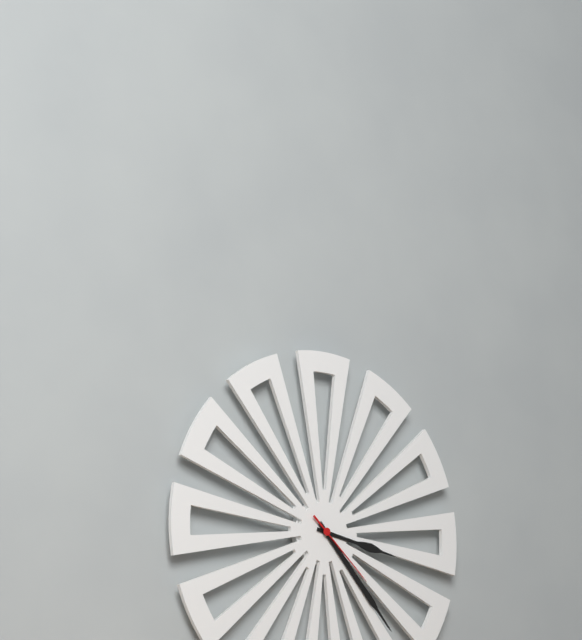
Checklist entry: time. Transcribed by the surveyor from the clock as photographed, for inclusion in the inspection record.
3:23:22
